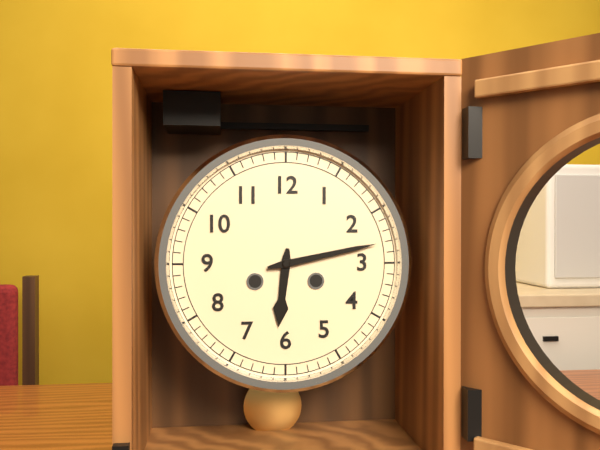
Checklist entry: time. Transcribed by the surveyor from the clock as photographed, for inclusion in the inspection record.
6:13
